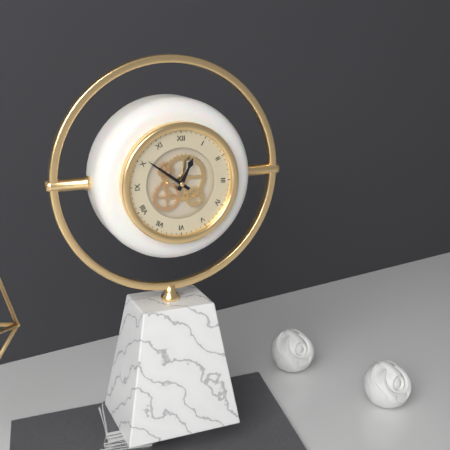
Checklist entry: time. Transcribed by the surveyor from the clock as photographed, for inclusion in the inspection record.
12:51
